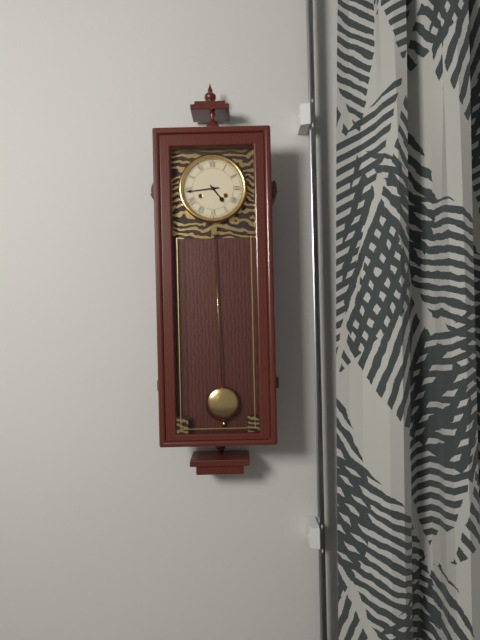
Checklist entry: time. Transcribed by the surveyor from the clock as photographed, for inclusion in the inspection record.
4:44
